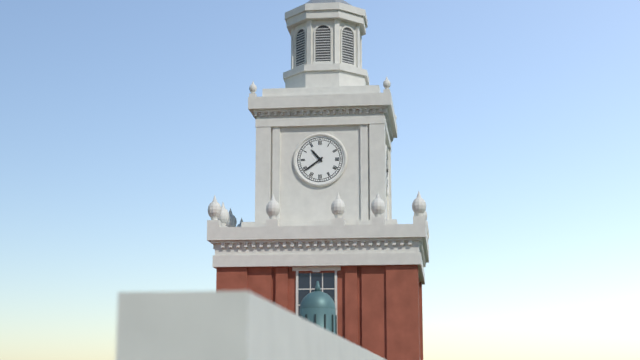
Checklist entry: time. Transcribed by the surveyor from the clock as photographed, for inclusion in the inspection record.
10:39
